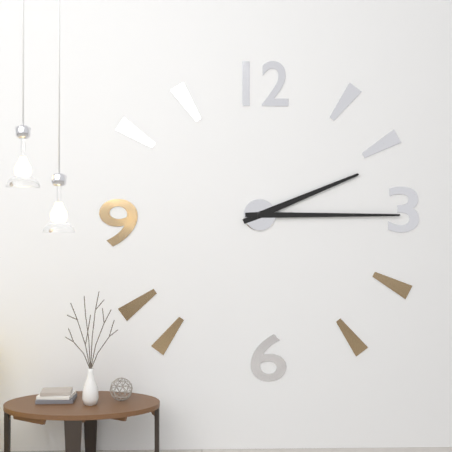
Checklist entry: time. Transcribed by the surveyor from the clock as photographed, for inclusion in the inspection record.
2:15
